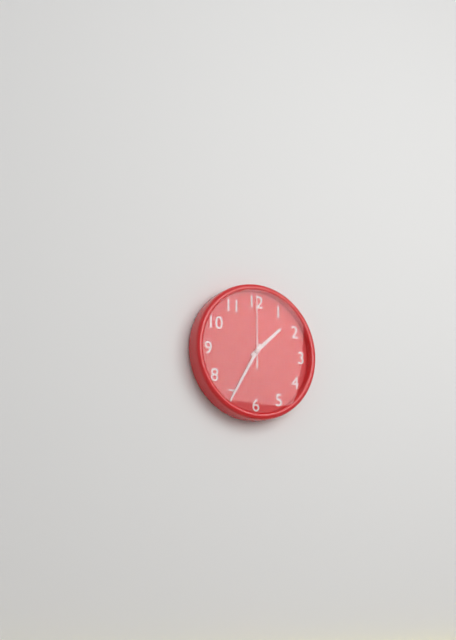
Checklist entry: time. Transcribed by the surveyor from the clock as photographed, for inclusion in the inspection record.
1:35:00
